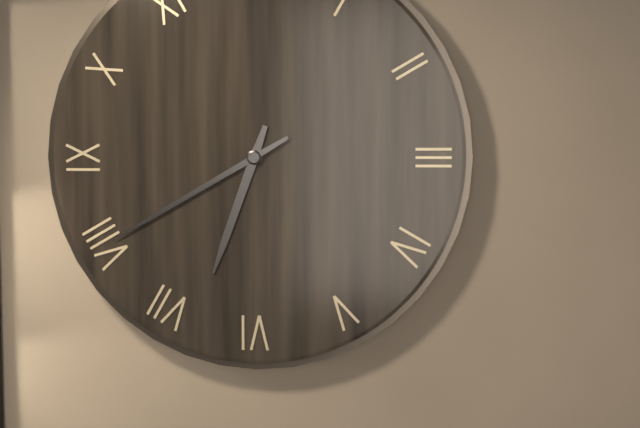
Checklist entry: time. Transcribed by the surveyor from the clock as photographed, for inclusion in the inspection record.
6:40
